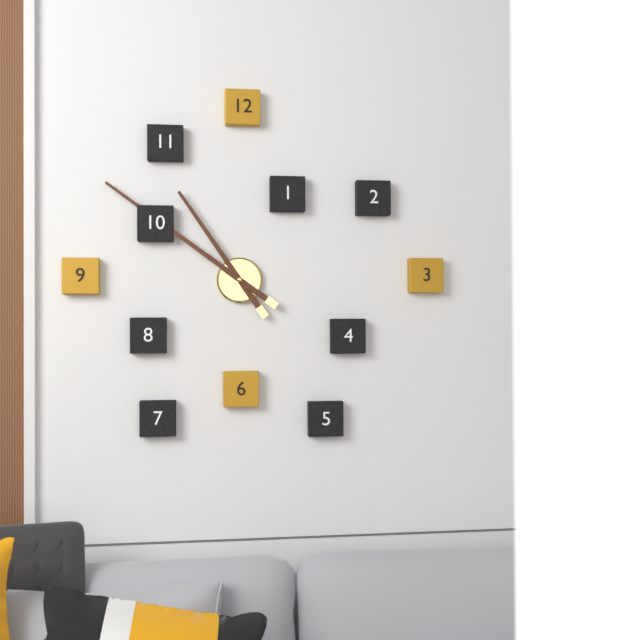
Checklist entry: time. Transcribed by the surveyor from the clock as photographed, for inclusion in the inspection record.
10:51
